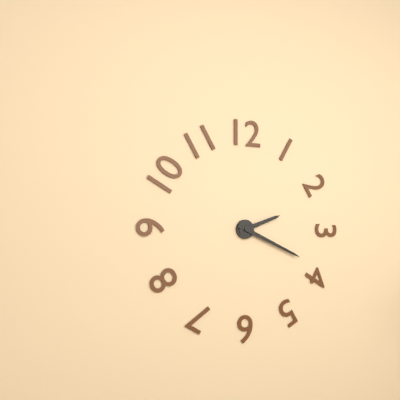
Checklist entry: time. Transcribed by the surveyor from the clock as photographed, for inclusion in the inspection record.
2:19
